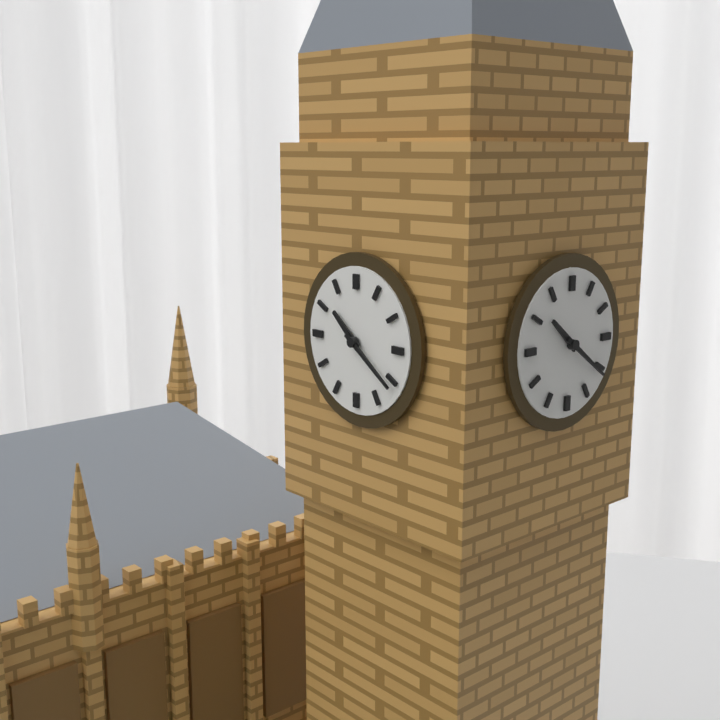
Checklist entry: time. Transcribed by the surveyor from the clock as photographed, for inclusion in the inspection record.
10:21
